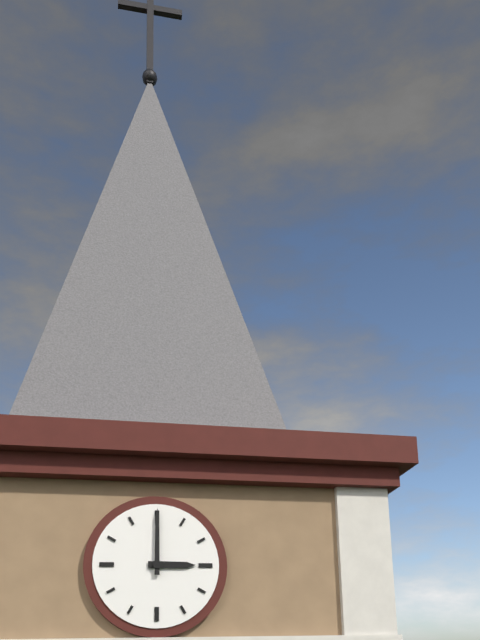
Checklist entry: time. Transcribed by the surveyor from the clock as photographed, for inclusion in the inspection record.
3:00
